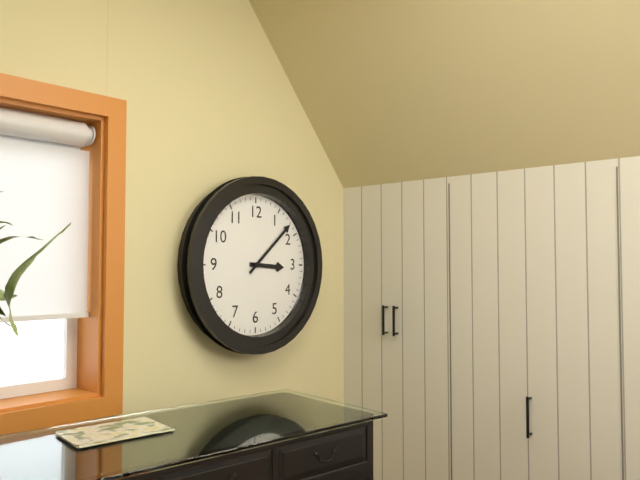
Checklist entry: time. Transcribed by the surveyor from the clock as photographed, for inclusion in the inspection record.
3:08
